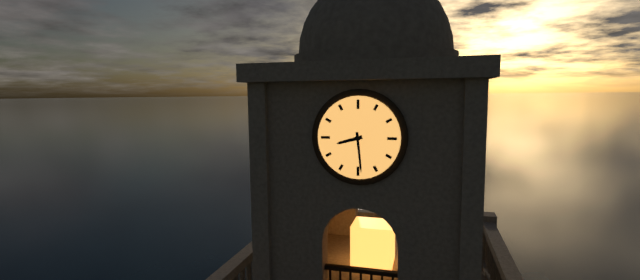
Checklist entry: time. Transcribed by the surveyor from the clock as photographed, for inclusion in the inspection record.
8:29
